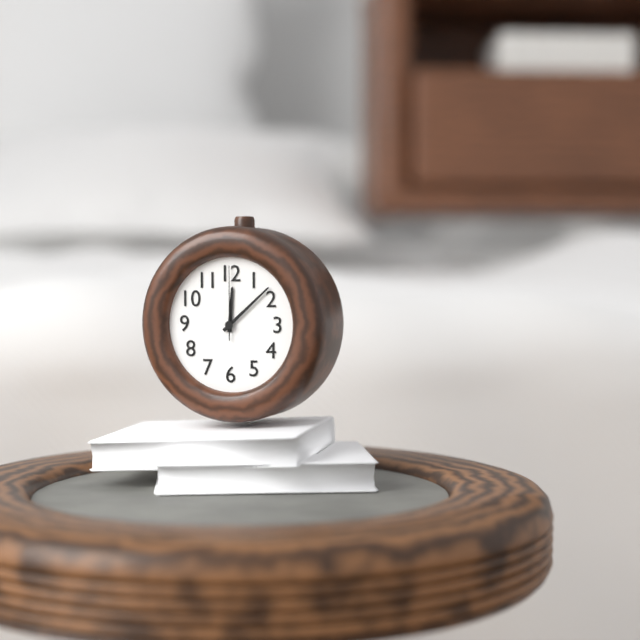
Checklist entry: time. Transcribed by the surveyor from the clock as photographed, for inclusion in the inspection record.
12:08:00
